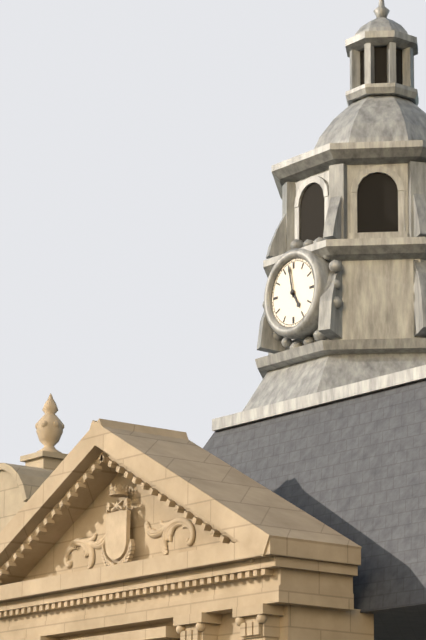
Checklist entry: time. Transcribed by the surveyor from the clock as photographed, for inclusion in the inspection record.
4:58
